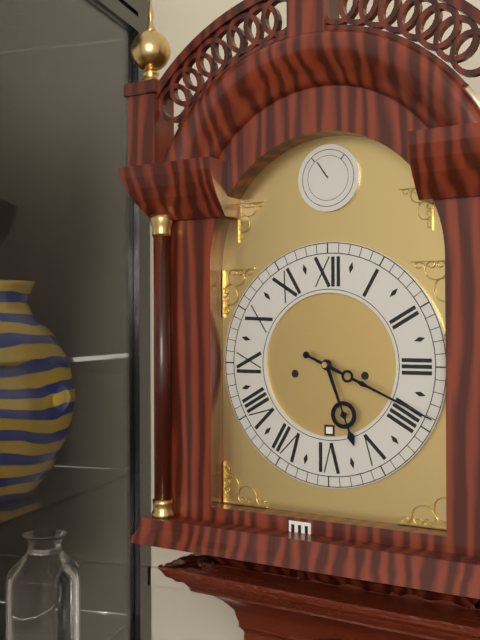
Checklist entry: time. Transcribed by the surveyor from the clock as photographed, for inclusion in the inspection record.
5:19
